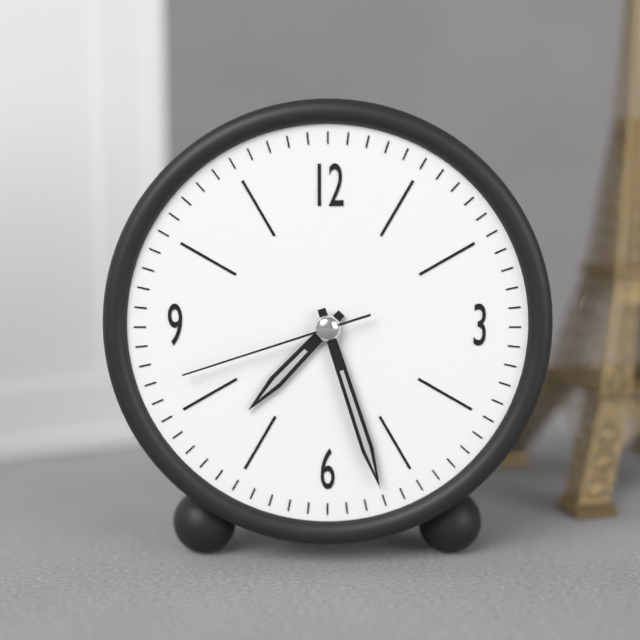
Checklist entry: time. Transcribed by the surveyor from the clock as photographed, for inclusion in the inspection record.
7:27:42
